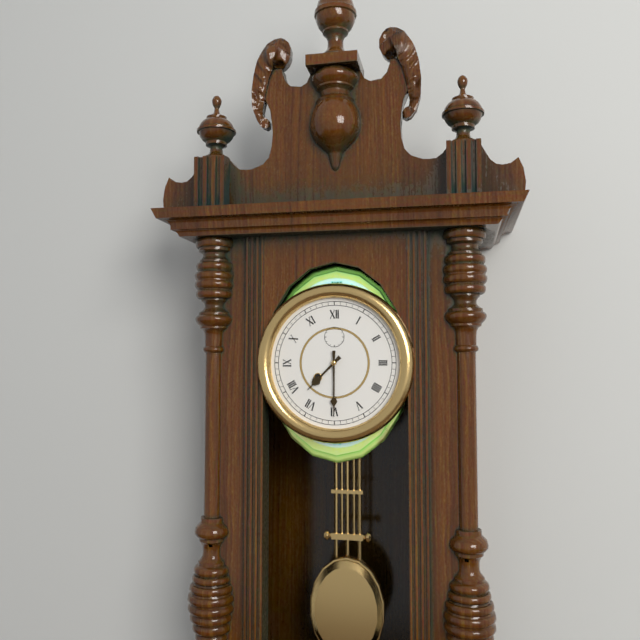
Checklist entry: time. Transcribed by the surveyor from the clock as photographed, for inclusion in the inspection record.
7:30
